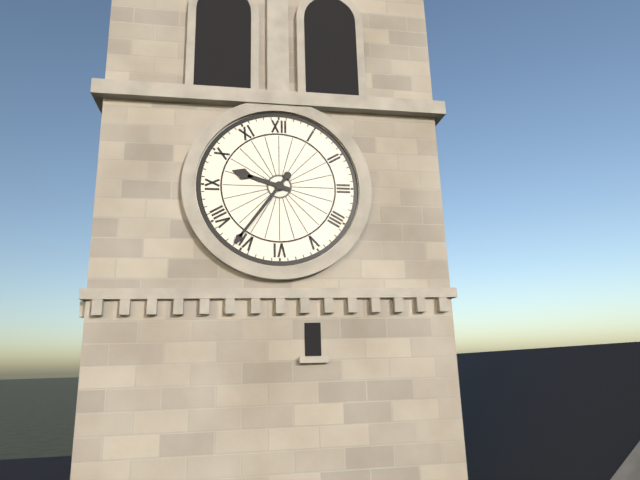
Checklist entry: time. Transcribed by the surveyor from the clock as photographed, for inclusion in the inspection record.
9:36
